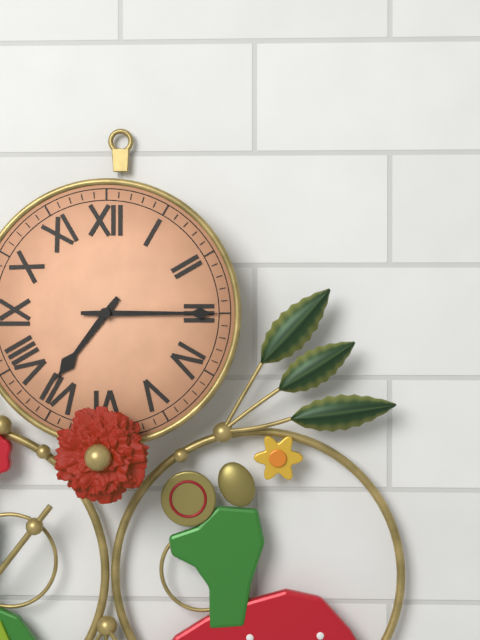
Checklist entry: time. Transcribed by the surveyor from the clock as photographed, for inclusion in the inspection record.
7:15
